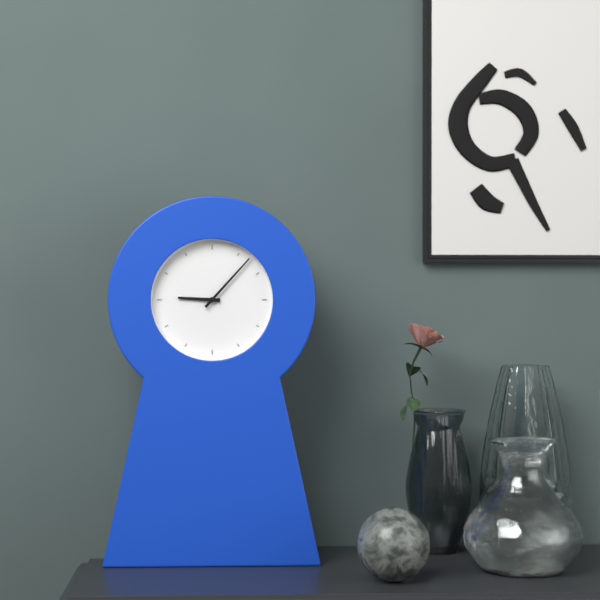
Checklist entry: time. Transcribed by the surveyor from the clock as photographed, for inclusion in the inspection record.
9:07
